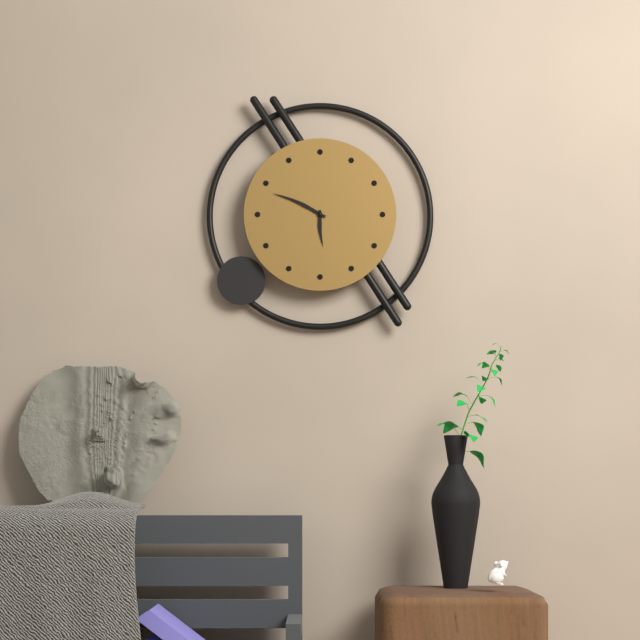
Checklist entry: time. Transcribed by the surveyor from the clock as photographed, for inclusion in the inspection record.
5:49
